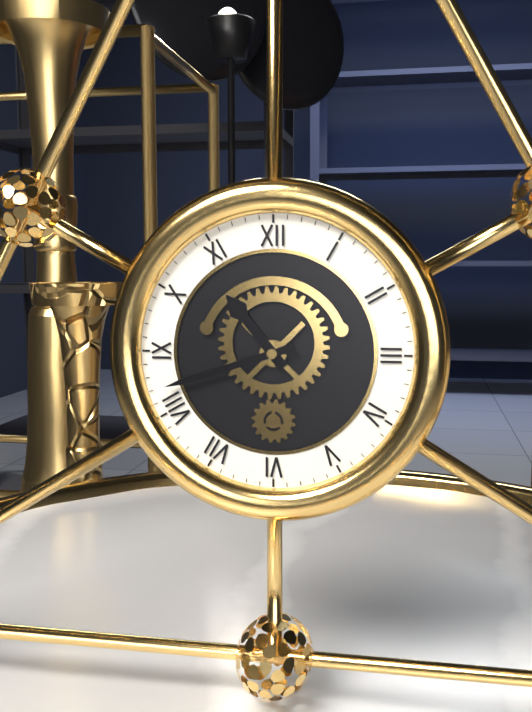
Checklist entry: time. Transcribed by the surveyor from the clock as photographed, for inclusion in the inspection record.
10:42
